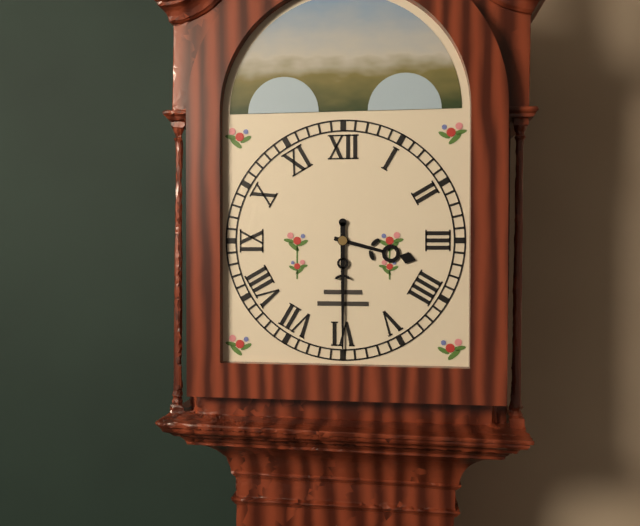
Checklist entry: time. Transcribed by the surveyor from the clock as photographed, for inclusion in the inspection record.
3:30
